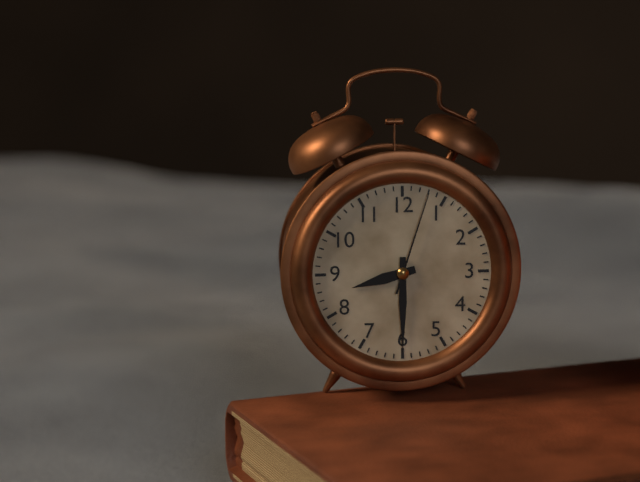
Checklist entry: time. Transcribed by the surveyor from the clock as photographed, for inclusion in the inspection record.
8:30:03
